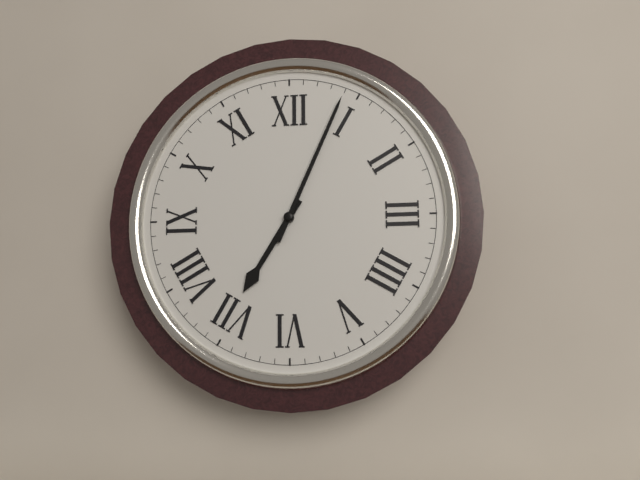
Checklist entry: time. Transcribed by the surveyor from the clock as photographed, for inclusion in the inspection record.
7:04
